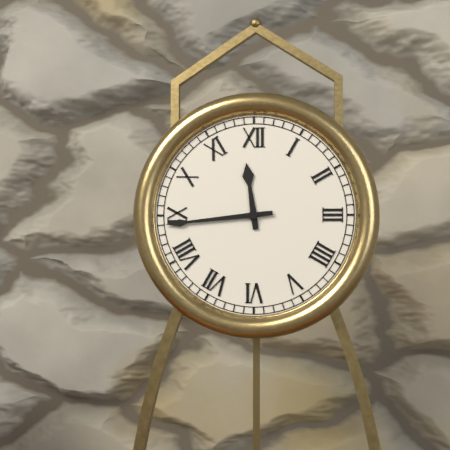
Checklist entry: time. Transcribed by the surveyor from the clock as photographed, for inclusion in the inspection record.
11:44
